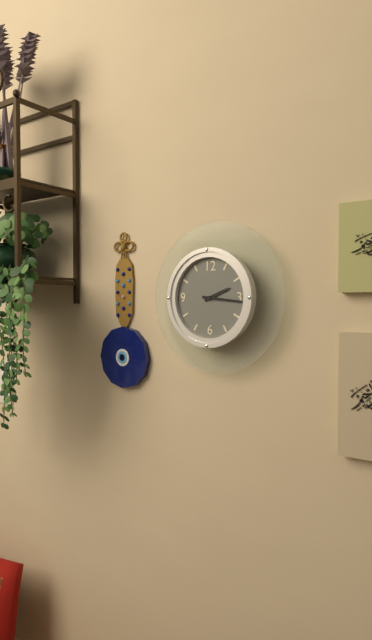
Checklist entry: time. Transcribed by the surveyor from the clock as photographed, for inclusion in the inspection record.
2:16
